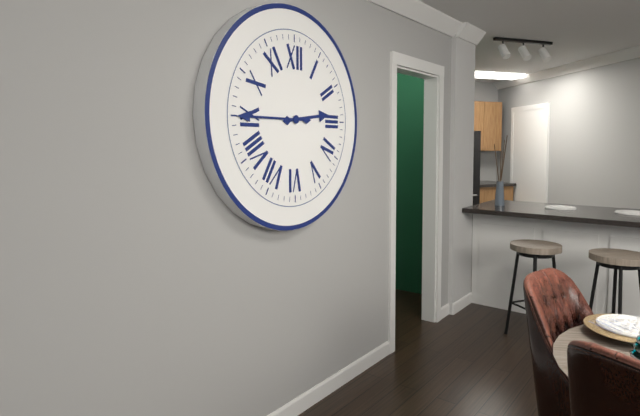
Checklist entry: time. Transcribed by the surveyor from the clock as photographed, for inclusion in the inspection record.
2:45
